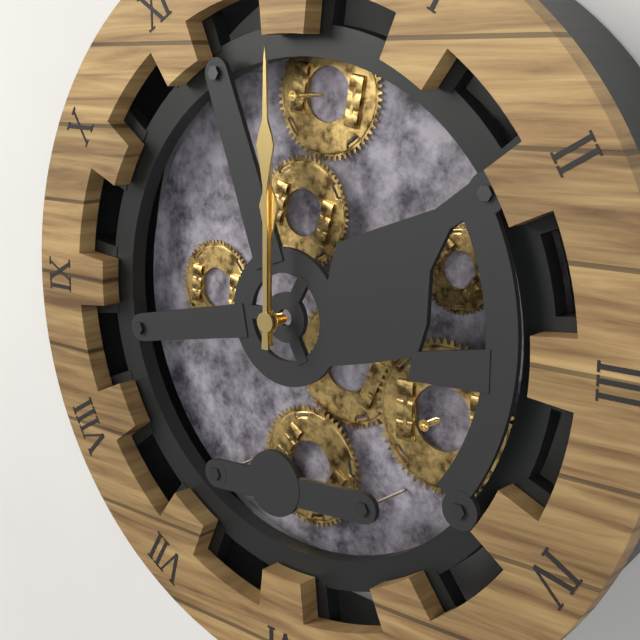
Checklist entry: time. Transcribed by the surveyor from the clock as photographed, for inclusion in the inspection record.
12:00
